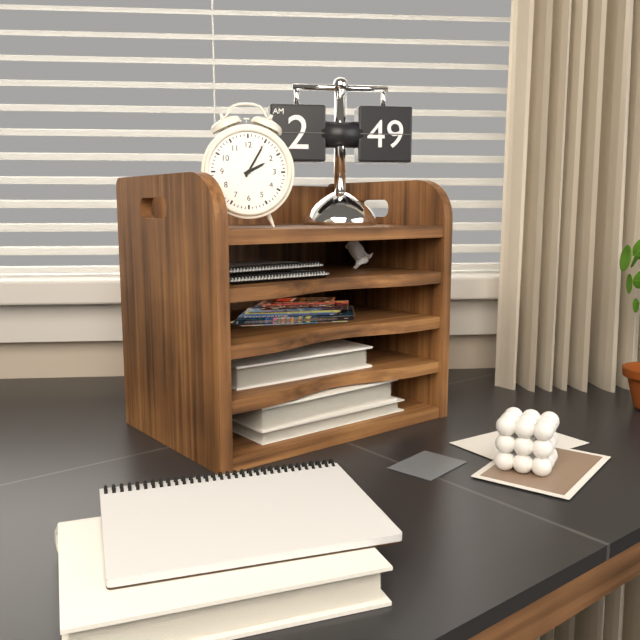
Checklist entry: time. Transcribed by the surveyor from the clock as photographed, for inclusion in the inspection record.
2:05
